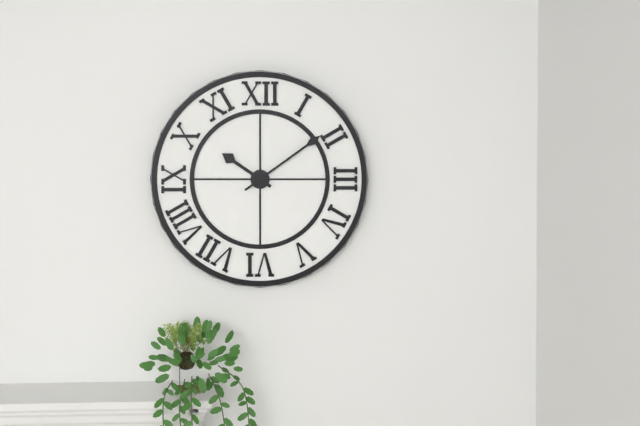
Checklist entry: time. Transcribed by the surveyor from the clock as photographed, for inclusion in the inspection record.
10:09
